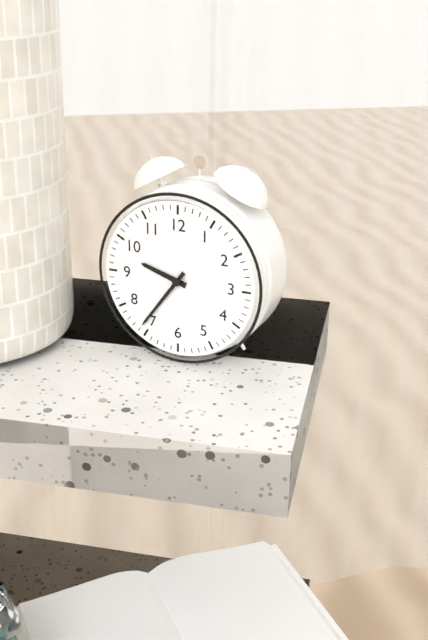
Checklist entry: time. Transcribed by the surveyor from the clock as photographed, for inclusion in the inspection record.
9:36
